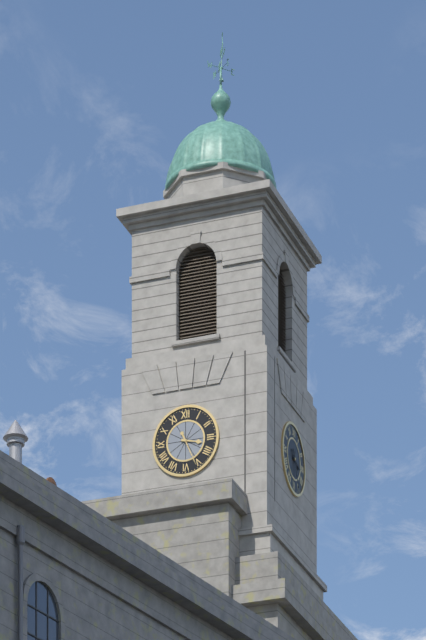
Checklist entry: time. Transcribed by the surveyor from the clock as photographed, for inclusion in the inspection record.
3:26
